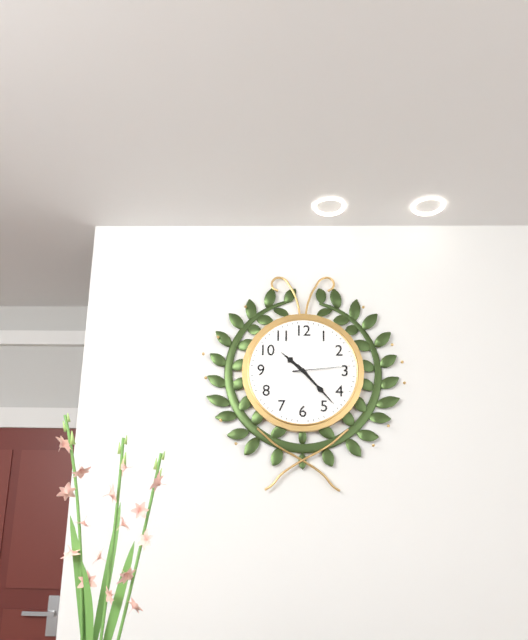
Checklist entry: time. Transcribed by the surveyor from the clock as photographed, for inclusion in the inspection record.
10:23:14
